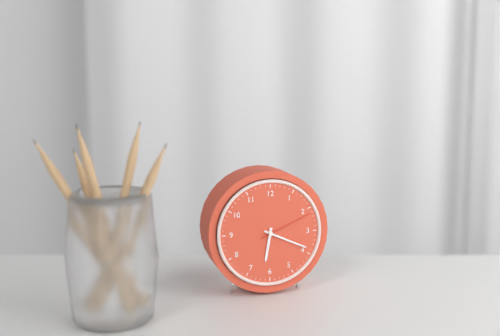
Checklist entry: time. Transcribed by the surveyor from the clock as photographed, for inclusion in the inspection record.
6:19:11
